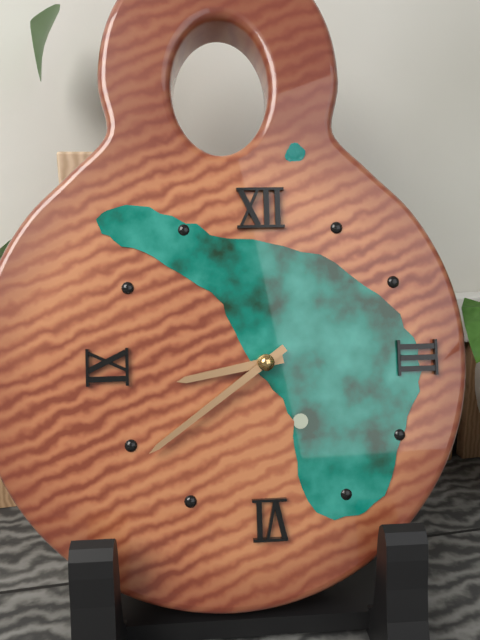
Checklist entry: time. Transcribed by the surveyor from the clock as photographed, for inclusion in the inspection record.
8:39
